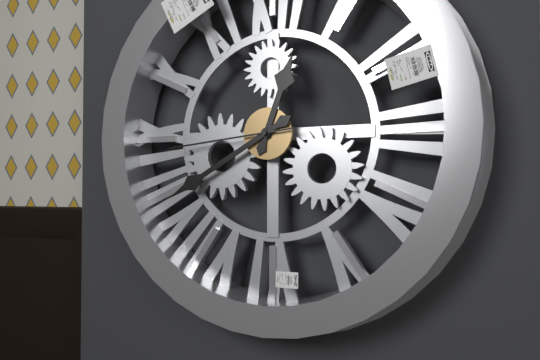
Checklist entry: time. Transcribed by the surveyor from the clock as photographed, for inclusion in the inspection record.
12:40:44
